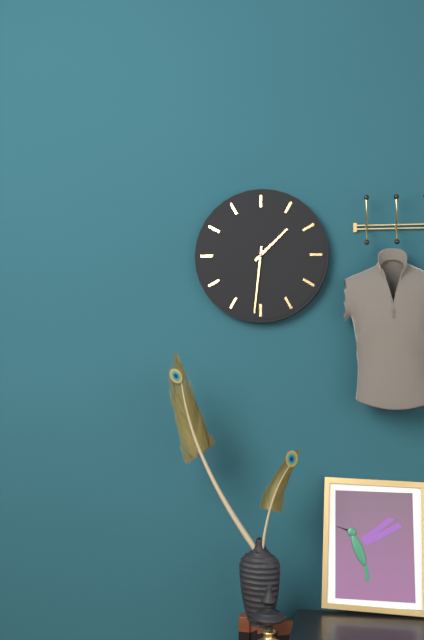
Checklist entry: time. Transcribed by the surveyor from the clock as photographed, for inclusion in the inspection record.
1:31
